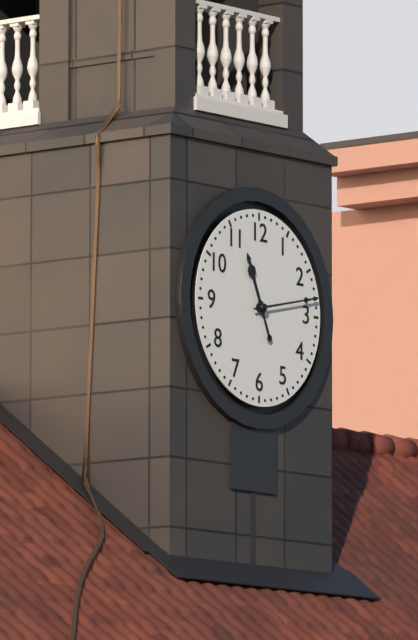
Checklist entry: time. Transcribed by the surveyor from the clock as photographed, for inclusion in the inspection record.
11:13
